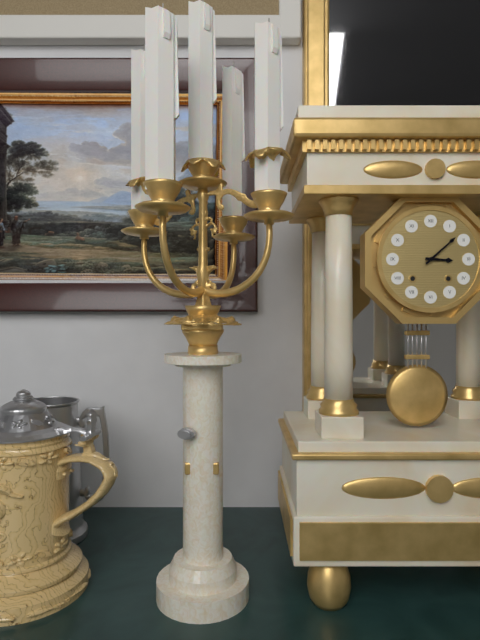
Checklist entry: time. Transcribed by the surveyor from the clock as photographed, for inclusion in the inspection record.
3:08
